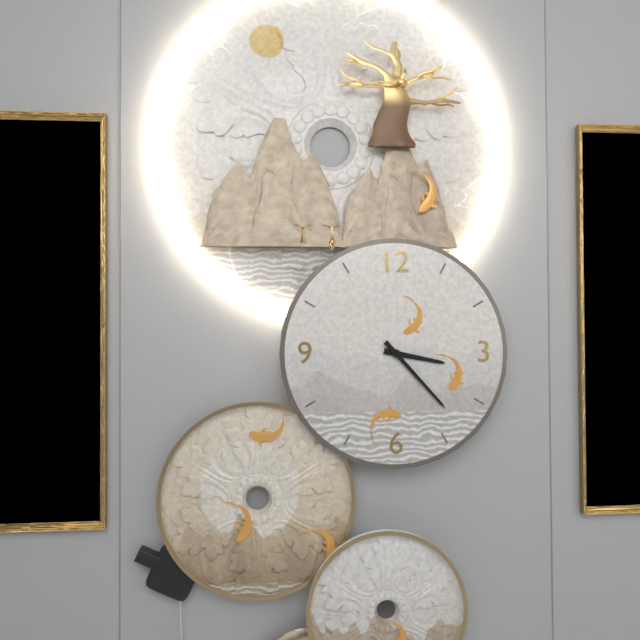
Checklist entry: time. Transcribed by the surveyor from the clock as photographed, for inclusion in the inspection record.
3:23
